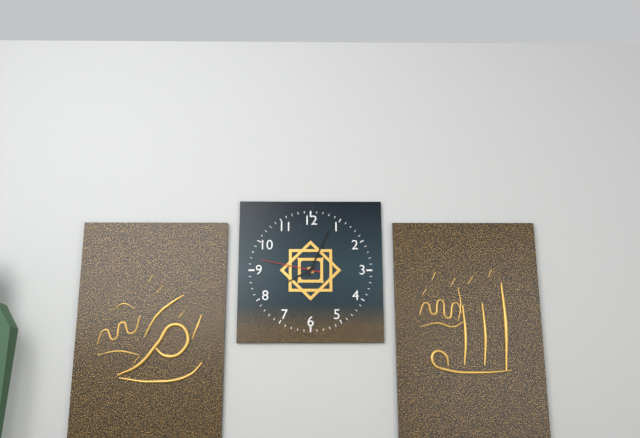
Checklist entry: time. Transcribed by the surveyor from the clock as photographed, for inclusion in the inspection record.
8:04:47
